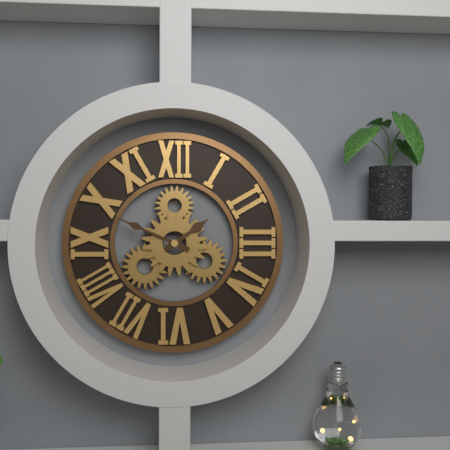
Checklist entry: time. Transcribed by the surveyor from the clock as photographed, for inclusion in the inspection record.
1:49
